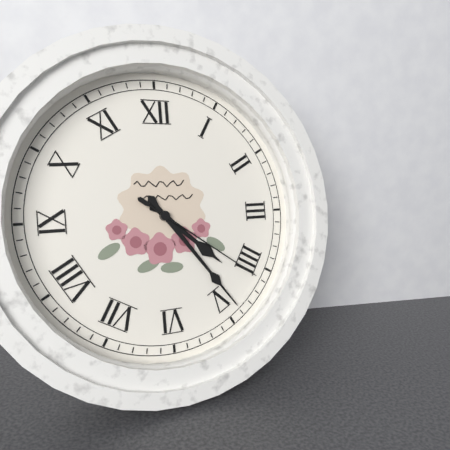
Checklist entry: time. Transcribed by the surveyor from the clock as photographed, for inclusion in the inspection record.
4:24:21
